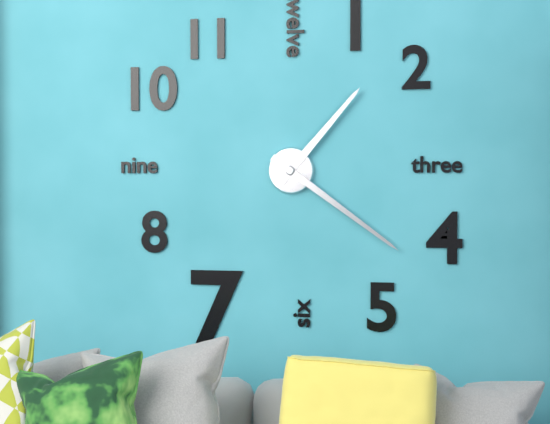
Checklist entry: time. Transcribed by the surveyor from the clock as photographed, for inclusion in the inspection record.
1:21
